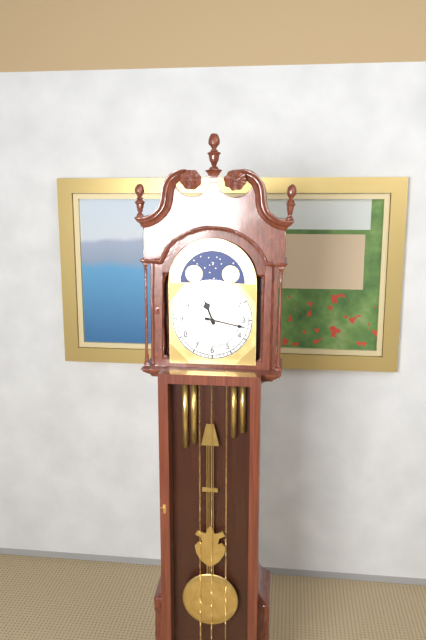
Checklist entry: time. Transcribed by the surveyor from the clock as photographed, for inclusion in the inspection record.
11:17
